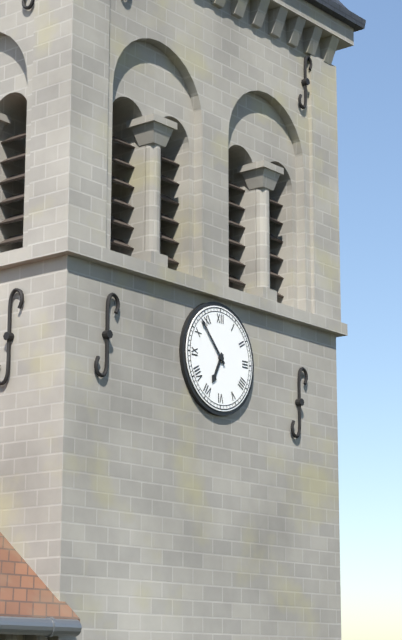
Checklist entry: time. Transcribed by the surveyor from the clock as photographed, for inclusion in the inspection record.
6:53
